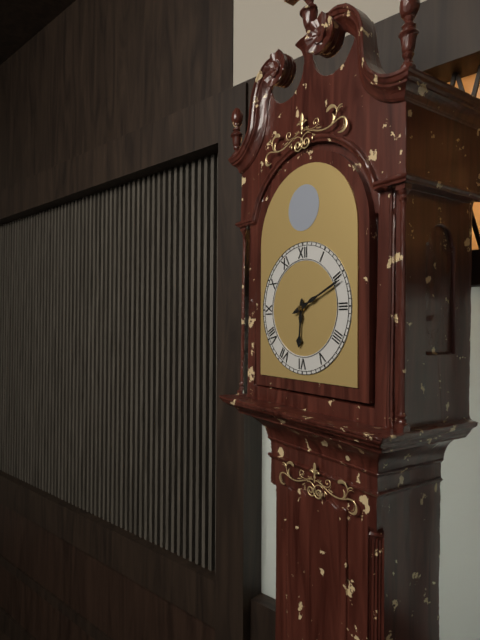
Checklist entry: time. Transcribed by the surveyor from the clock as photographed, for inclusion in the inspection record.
6:11
